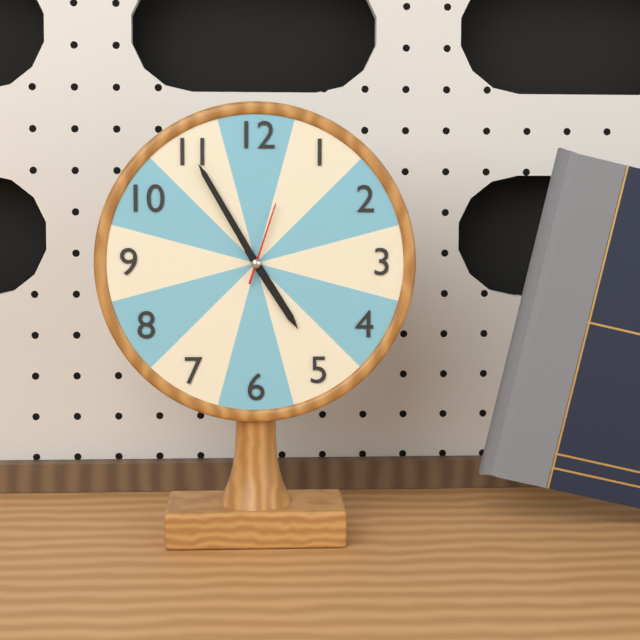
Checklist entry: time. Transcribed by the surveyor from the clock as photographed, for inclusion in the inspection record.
4:55:03
